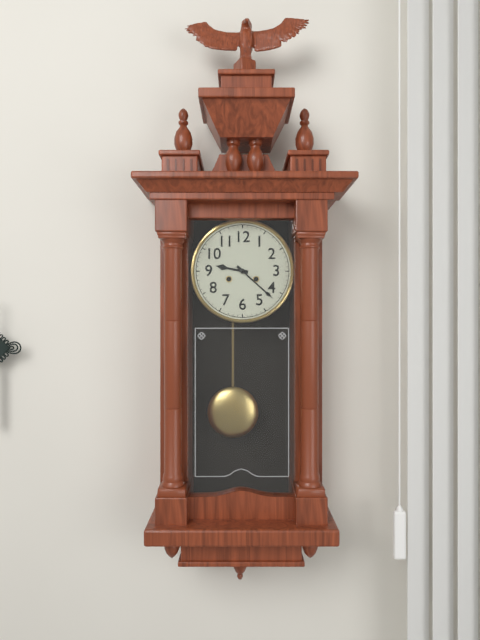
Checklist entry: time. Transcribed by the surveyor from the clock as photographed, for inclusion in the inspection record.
9:22
